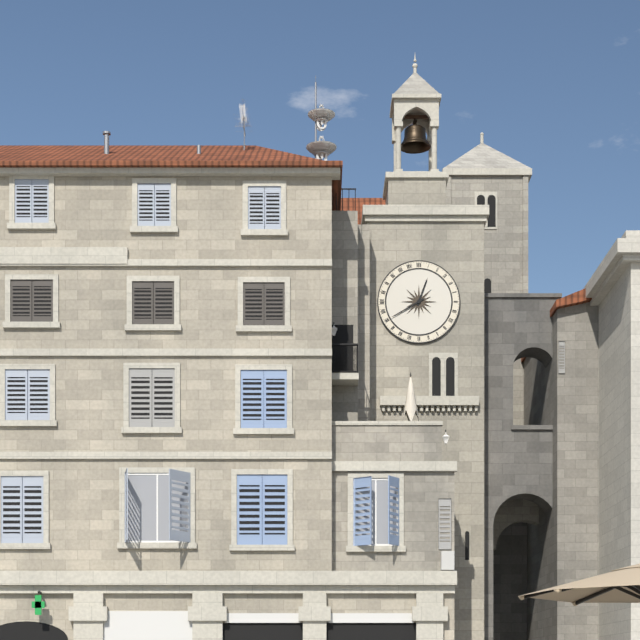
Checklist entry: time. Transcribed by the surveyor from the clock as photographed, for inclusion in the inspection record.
12:40
